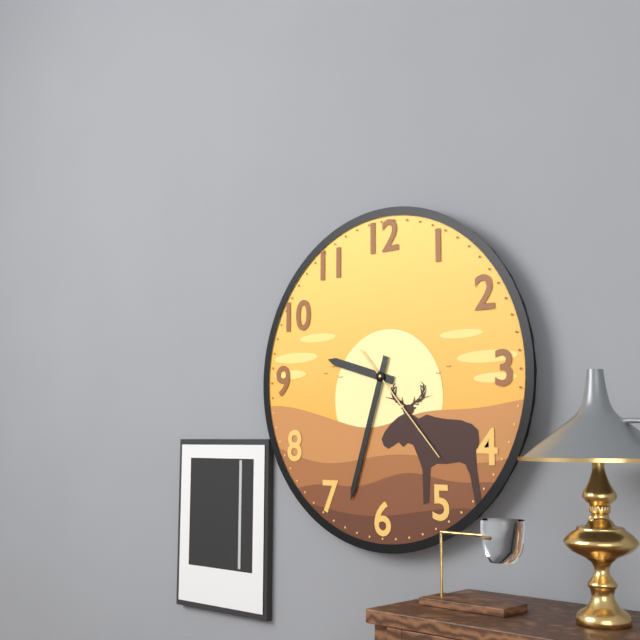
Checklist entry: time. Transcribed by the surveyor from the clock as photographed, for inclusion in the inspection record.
9:33:23
